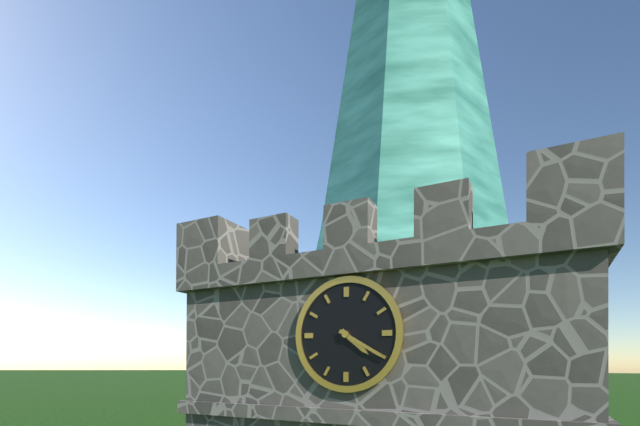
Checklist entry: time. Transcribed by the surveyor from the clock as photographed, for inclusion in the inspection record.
4:20
